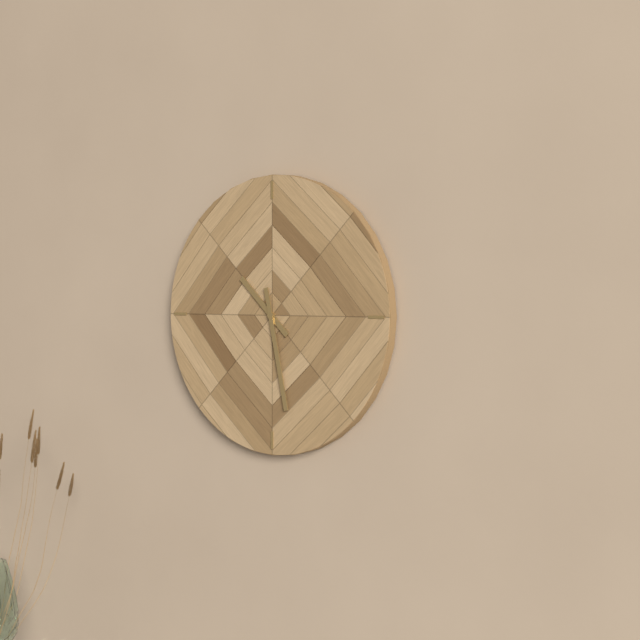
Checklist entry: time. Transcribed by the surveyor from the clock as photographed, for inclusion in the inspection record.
10:28
